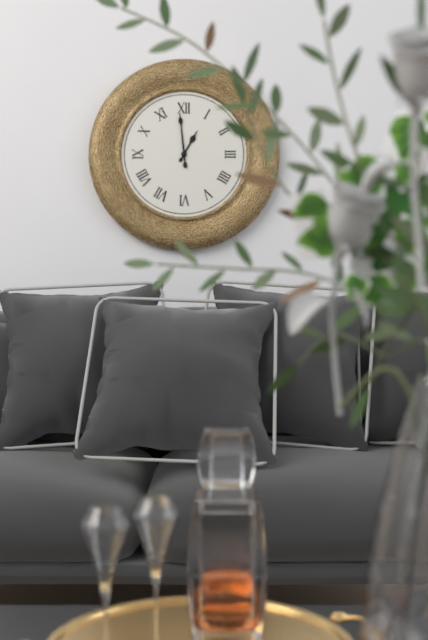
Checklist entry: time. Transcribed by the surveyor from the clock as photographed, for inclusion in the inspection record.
12:59
